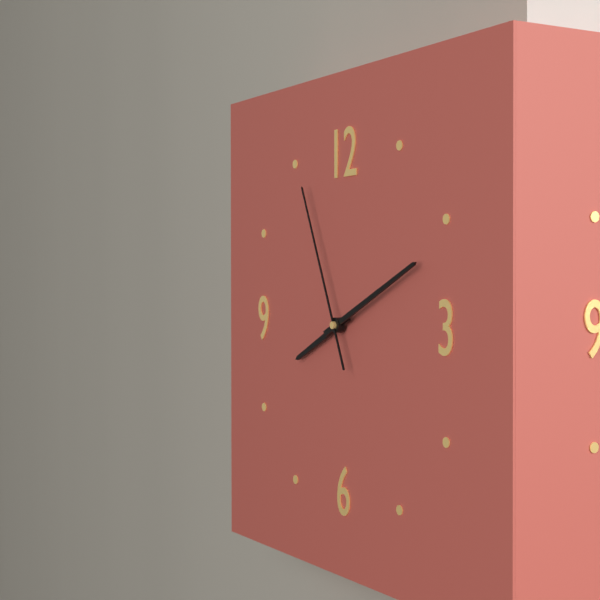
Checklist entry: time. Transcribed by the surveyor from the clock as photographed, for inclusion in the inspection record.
8:11:56
